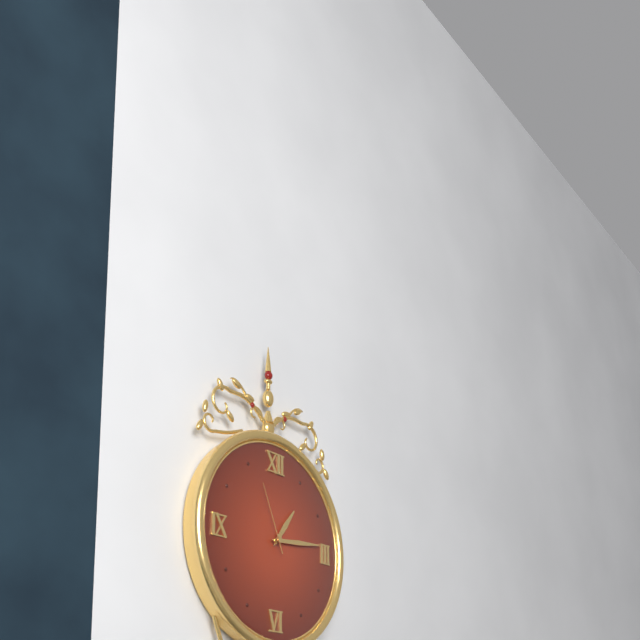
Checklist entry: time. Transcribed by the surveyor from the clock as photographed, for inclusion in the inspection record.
1:14:56
